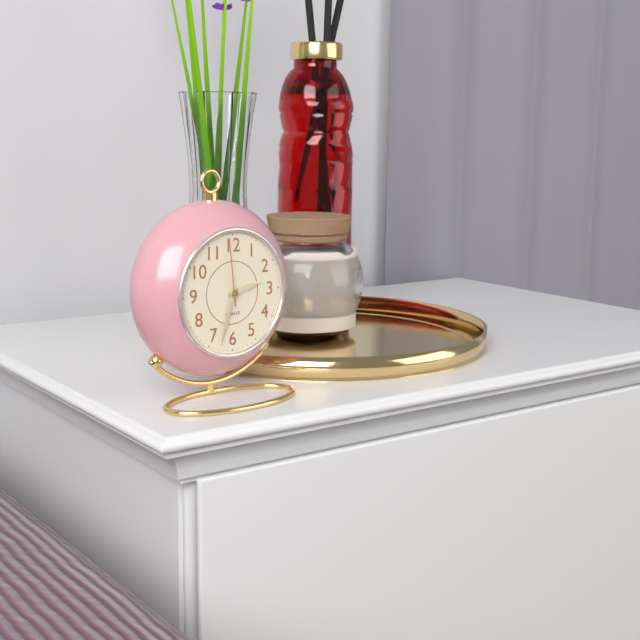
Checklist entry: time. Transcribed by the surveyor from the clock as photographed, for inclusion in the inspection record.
2:33:59
